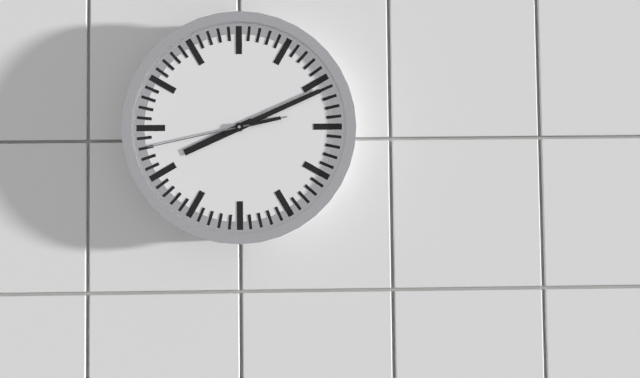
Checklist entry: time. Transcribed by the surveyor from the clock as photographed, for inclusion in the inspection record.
8:11:43
